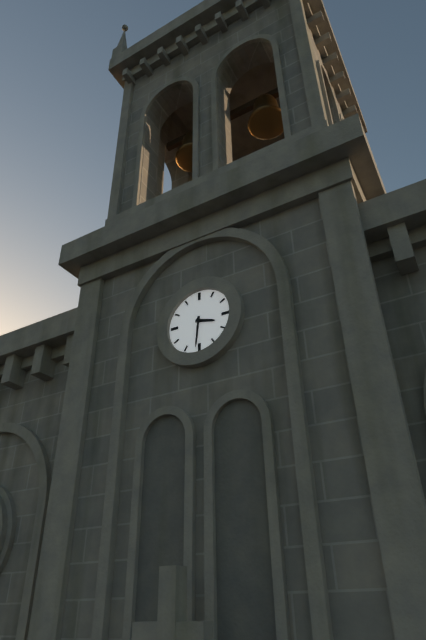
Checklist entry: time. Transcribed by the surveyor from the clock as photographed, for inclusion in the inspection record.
3:31
